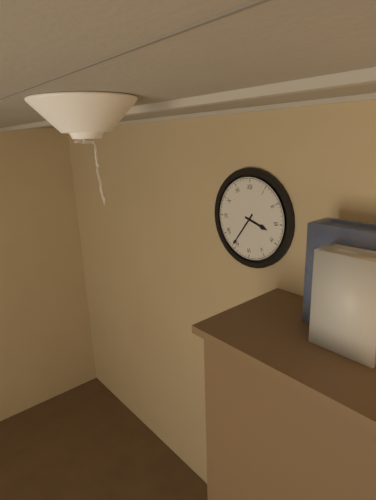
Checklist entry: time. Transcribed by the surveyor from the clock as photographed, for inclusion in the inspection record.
3:36
